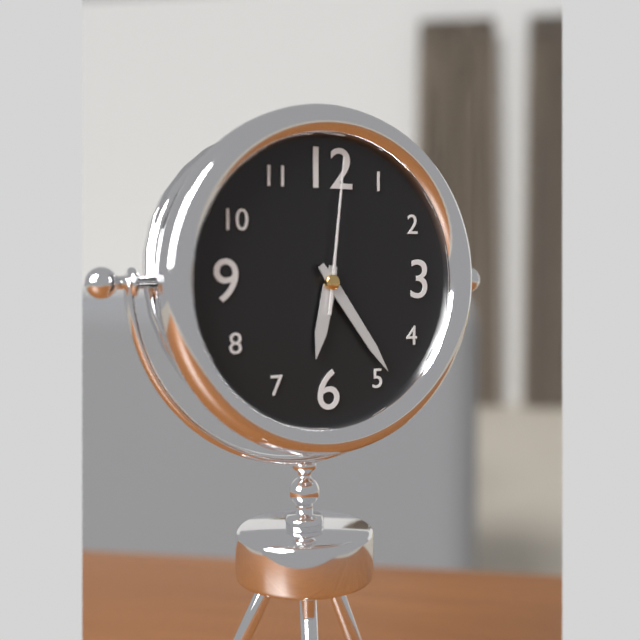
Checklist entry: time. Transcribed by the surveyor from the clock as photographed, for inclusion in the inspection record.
6:24:01
